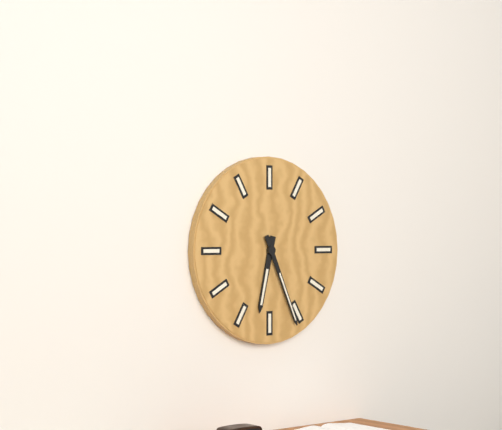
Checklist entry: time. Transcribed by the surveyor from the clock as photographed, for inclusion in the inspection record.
6:26
